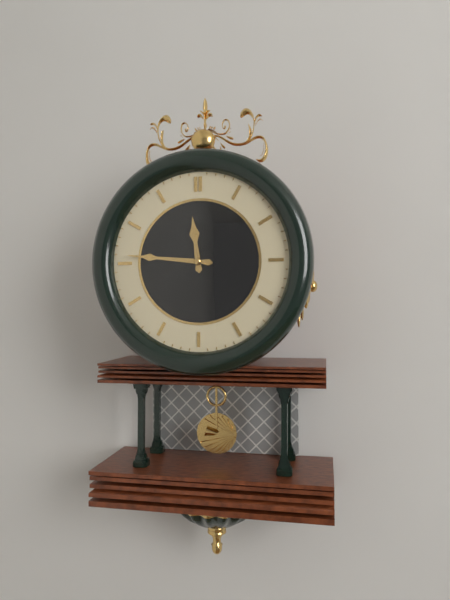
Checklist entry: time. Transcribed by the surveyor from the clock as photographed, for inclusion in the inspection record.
11:46
